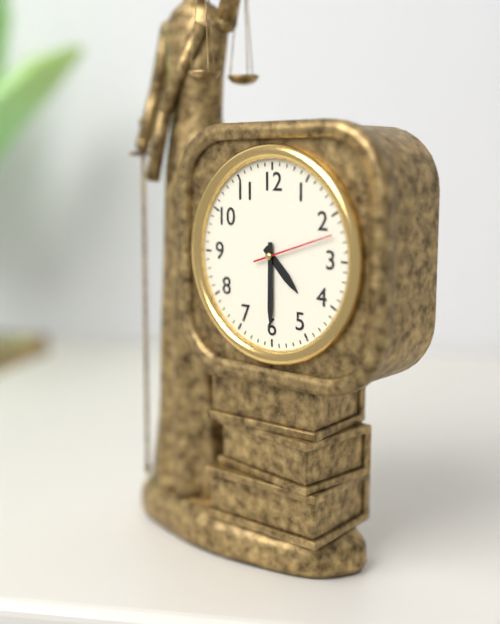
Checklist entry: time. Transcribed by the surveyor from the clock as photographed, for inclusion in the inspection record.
4:30:12
